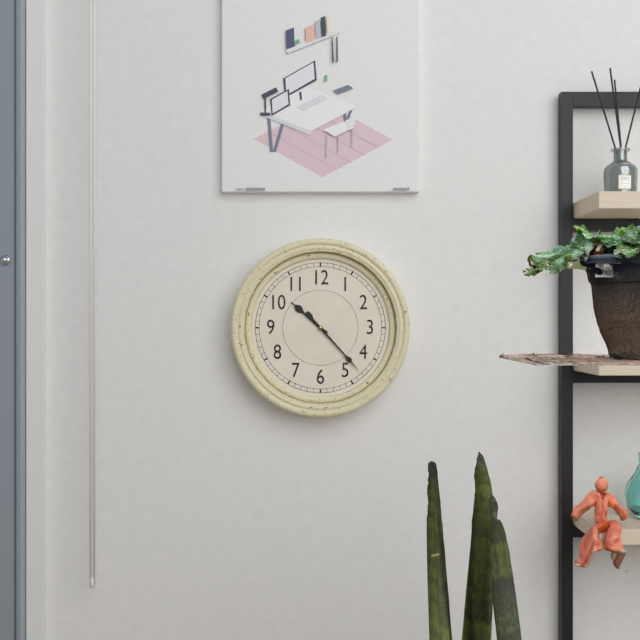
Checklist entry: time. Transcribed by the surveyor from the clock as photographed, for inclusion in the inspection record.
10:23
